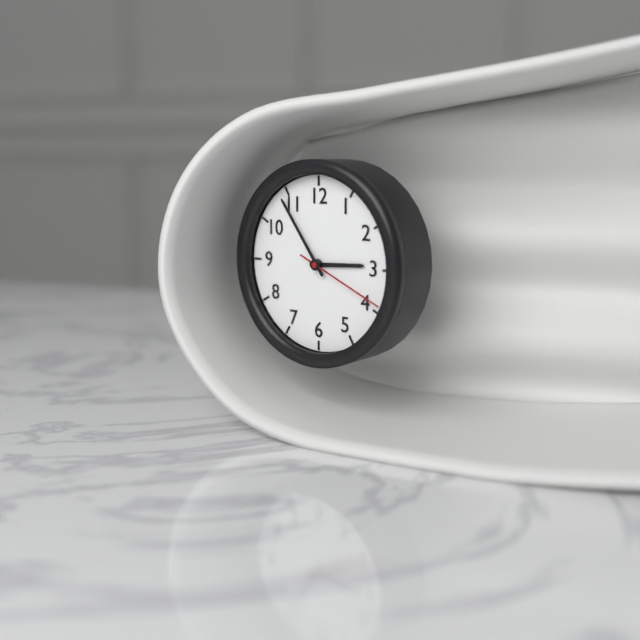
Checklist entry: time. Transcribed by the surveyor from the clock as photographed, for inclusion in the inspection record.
2:54:19
